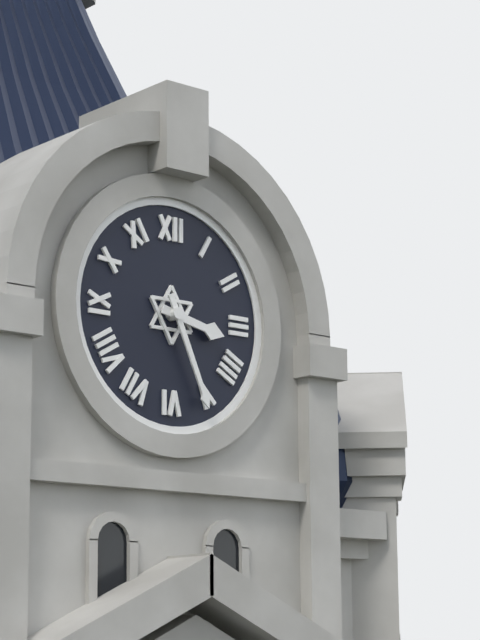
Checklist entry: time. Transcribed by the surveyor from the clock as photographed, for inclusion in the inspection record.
3:26
